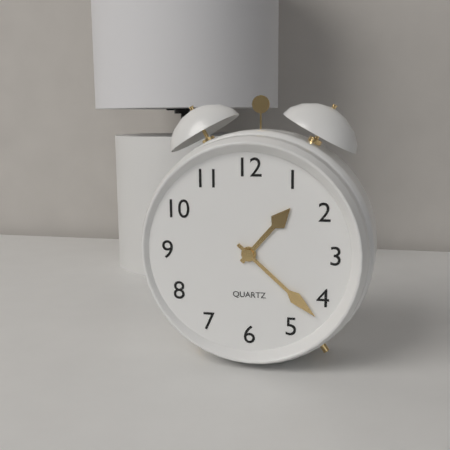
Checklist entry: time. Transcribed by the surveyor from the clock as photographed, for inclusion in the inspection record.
1:22
